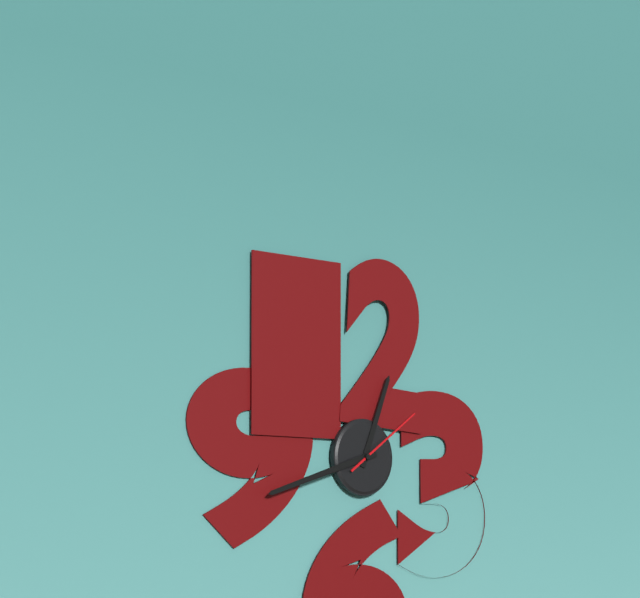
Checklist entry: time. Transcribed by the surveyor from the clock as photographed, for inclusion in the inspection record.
12:42:09
